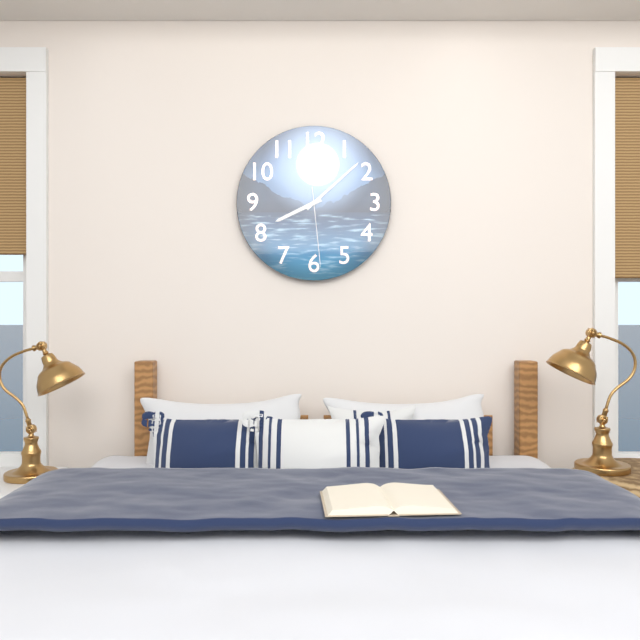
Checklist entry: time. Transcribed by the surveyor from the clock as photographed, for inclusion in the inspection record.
8:08:29
